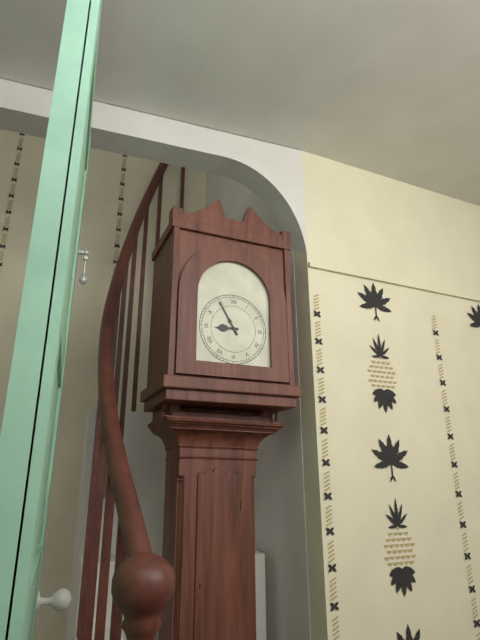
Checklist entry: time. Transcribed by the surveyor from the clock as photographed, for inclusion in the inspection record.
8:55
